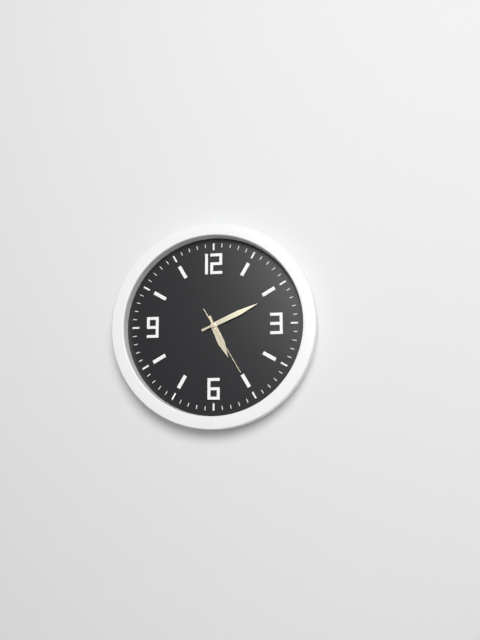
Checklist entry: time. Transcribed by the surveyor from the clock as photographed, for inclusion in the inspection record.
5:11:25
